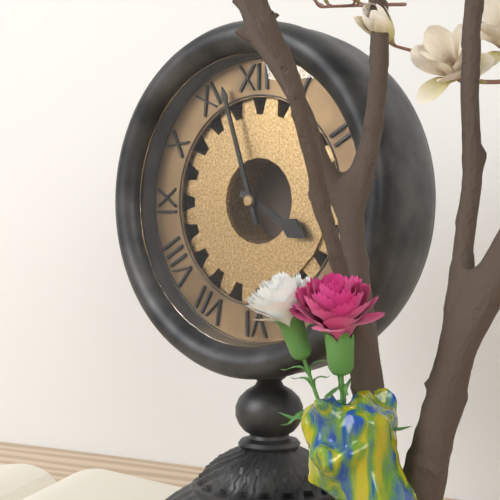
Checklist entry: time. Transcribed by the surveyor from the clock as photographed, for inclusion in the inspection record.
3:57
